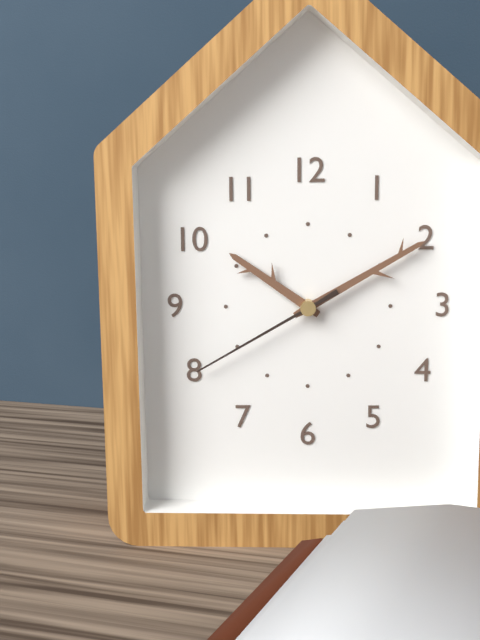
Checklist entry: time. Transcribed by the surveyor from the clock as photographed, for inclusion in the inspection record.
10:10:40
